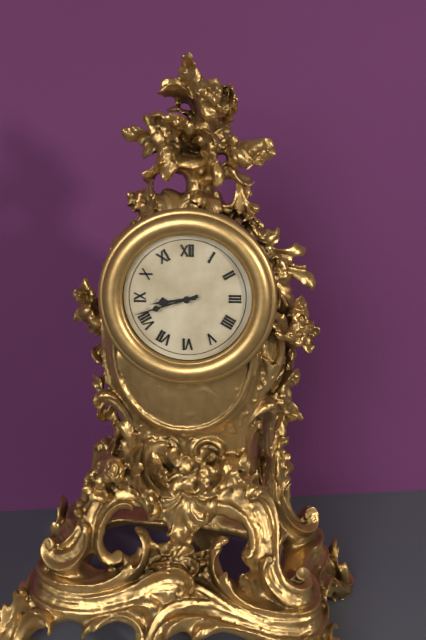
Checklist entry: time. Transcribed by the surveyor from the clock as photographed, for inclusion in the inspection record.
8:42
